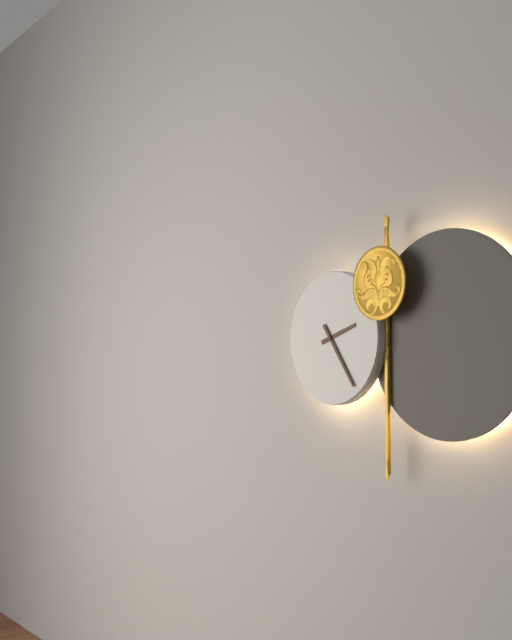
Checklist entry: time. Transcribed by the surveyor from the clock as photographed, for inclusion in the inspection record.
2:24
